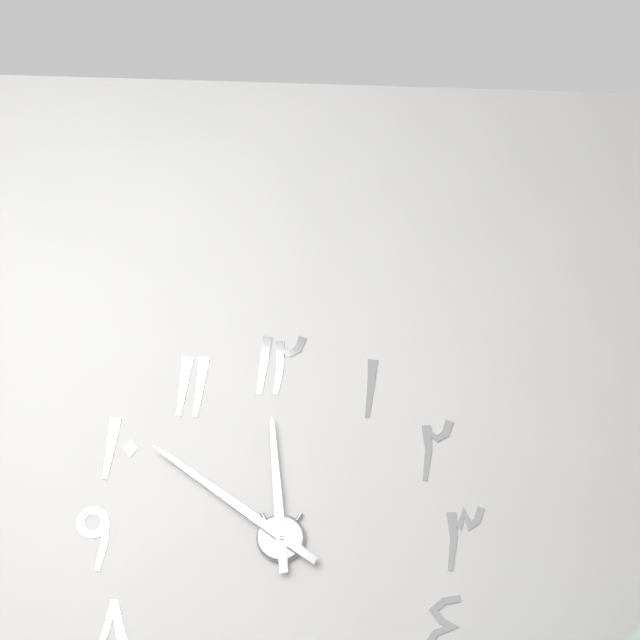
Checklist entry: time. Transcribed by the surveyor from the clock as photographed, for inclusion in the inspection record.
11:51
